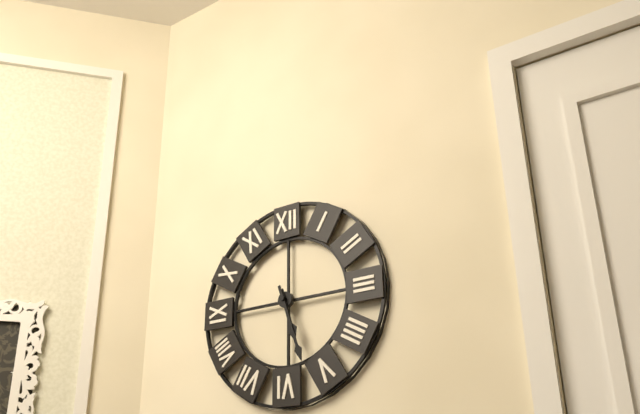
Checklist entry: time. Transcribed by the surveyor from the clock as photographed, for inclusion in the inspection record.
5:27
